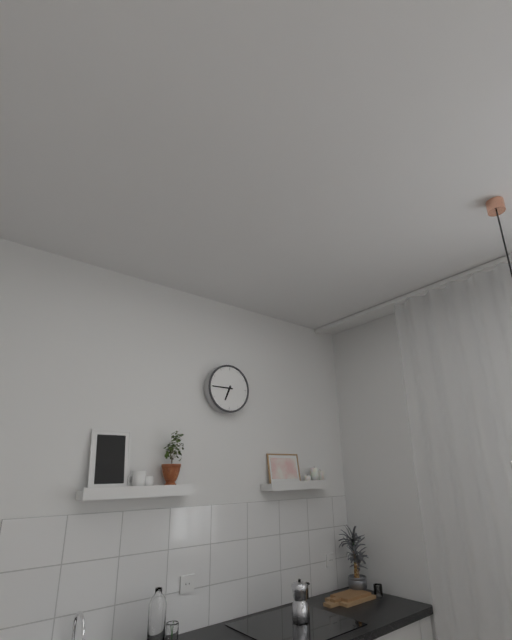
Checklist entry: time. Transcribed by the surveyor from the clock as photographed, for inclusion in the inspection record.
6:45
